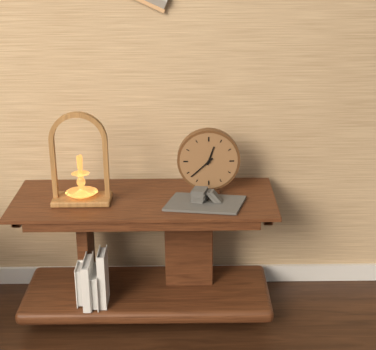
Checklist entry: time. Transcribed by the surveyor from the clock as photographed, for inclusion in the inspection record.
12:38
